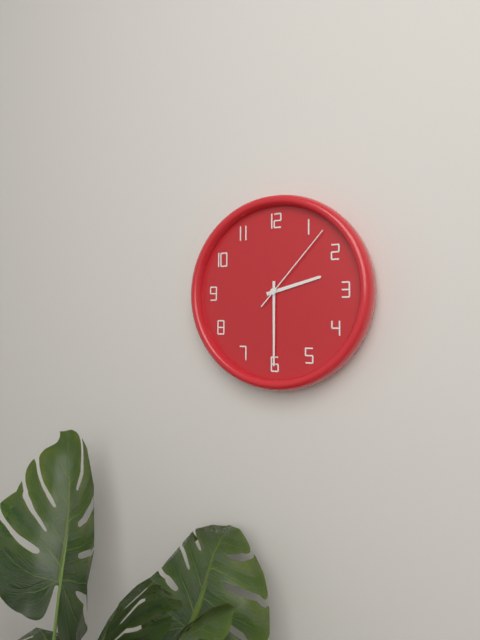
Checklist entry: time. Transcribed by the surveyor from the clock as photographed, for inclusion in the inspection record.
2:30:07
